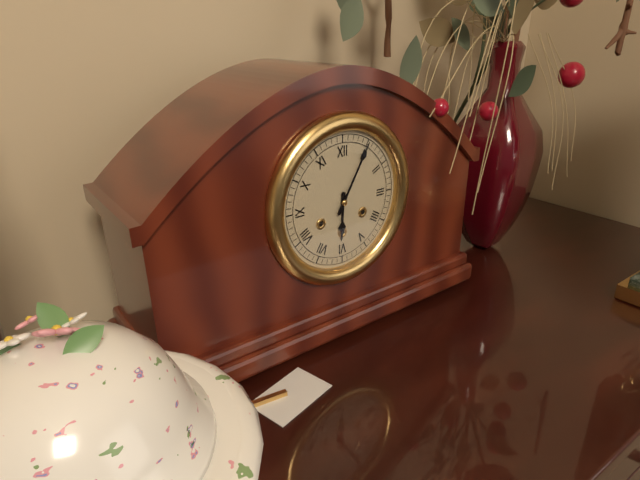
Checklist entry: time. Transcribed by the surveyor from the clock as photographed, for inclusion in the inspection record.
6:05
